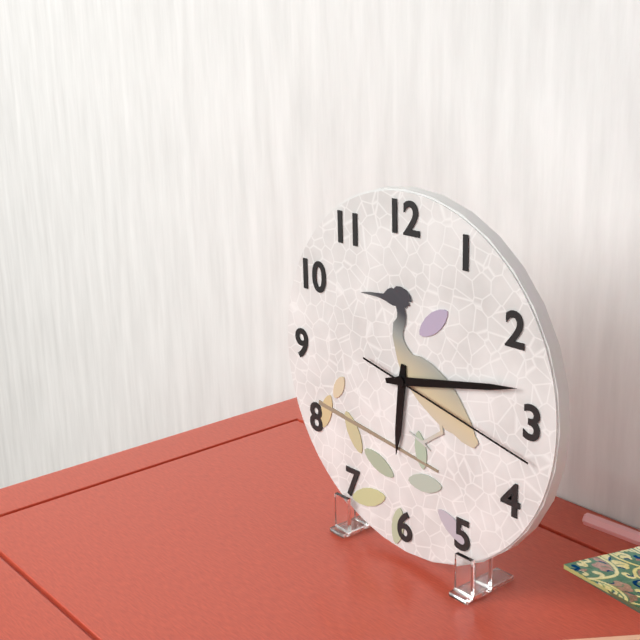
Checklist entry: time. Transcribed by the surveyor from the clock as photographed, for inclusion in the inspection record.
6:13:17
